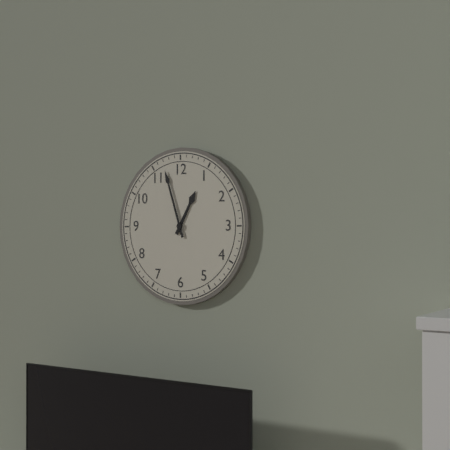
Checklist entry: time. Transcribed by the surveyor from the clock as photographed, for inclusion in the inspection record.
12:57
